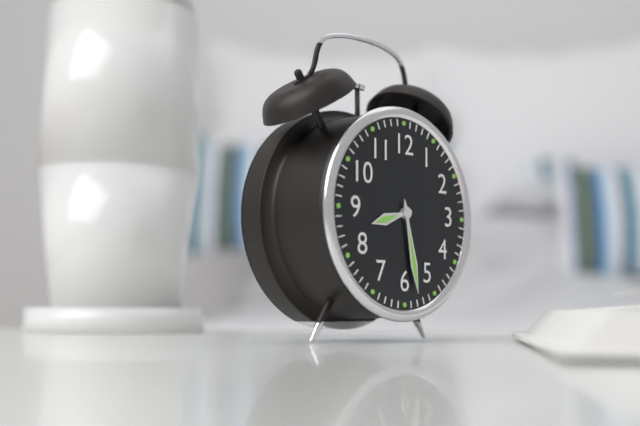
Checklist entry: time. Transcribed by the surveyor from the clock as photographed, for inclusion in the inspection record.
8:28
